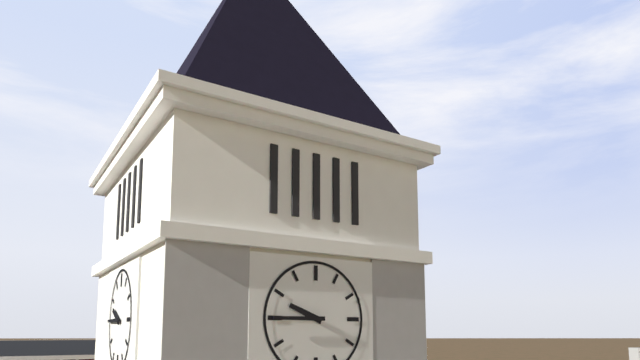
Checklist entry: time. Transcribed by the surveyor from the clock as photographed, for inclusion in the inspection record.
9:45
